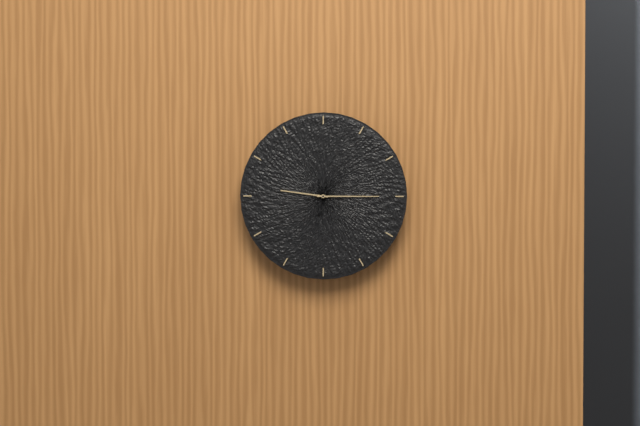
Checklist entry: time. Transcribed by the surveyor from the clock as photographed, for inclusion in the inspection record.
9:15
